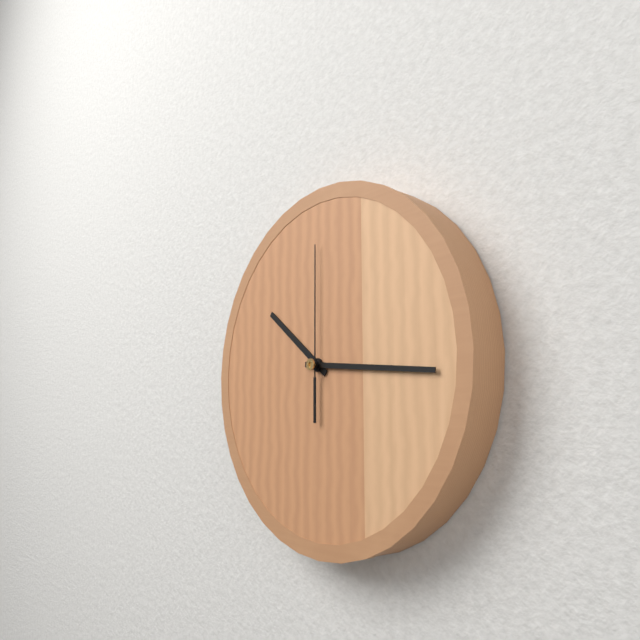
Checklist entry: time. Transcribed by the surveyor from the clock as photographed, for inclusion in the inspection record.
10:16:00
